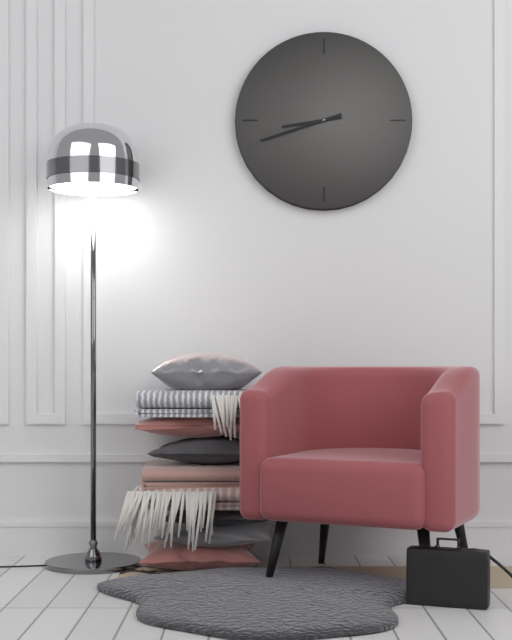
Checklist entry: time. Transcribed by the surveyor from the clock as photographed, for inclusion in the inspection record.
8:42
